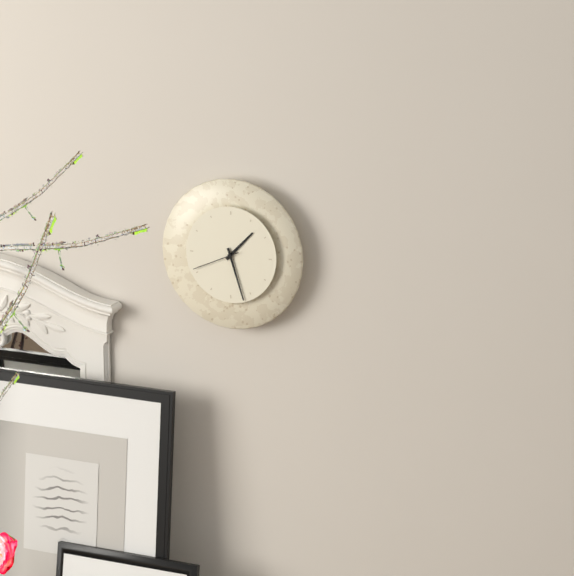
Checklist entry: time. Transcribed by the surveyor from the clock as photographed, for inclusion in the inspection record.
1:27
